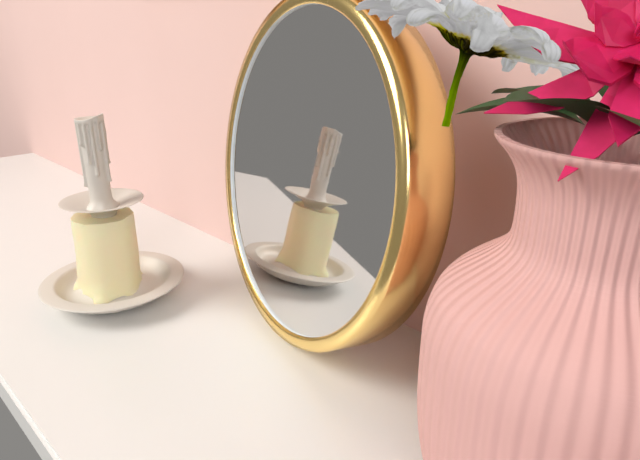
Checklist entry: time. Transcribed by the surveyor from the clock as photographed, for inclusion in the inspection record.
12:07:11
